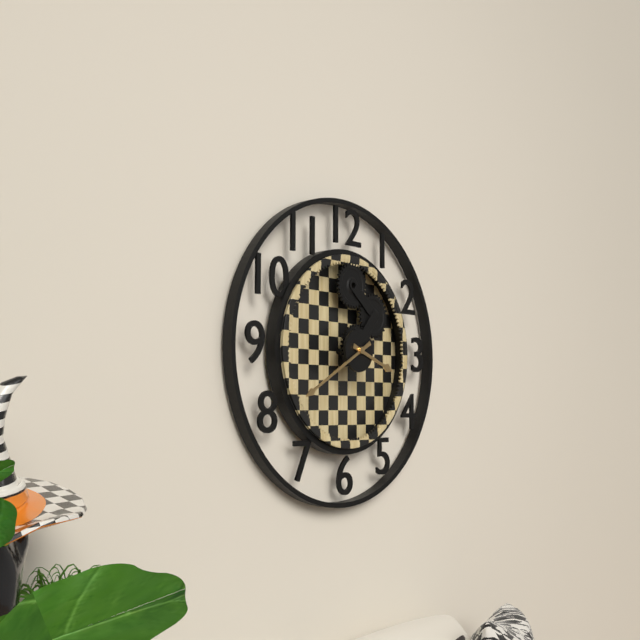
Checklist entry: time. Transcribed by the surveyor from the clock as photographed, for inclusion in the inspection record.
3:40
